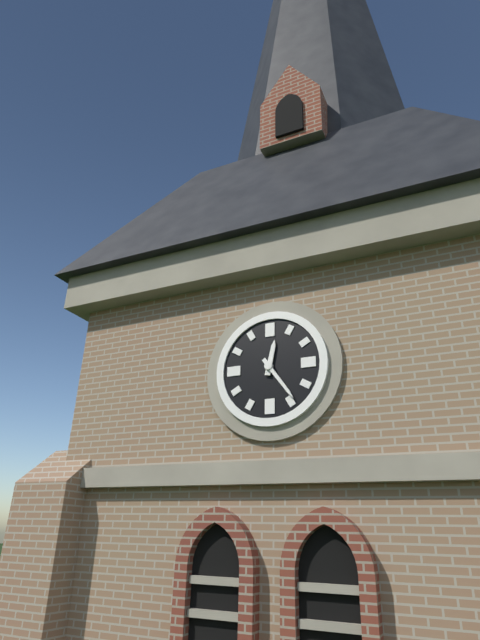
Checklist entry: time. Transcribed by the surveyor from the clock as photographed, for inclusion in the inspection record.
12:24
